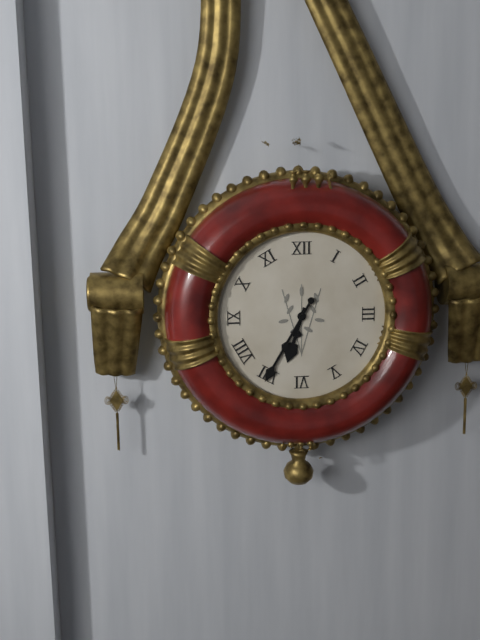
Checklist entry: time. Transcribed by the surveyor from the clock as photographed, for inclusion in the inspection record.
6:35
